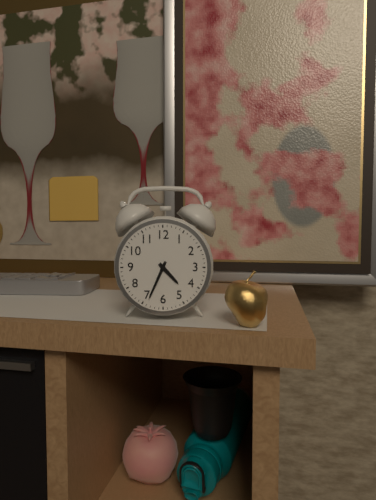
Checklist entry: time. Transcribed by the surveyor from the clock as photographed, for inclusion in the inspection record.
4:34
